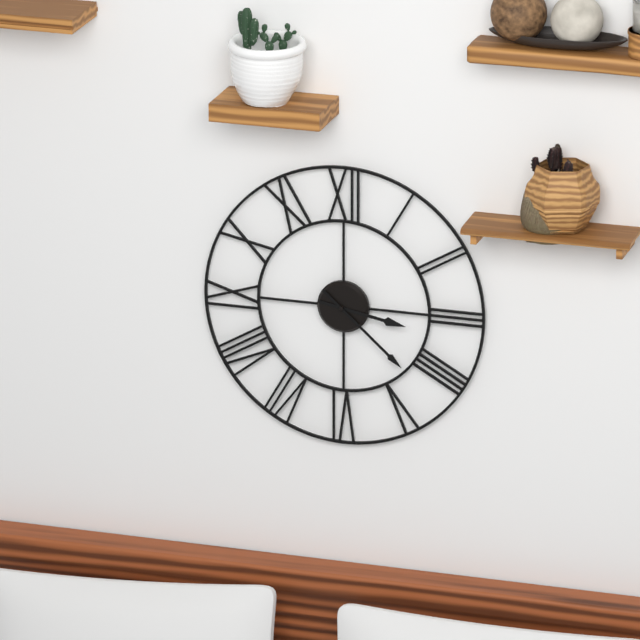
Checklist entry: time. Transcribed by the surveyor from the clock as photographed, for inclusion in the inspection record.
3:22
